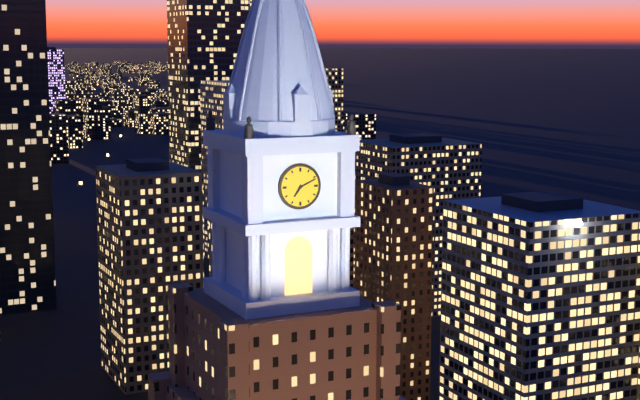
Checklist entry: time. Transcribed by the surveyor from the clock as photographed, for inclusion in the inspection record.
7:11
